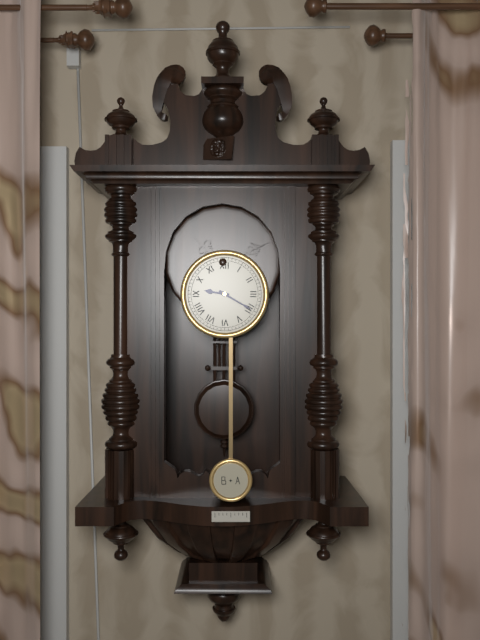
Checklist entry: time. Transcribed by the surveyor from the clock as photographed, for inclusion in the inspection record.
9:20
